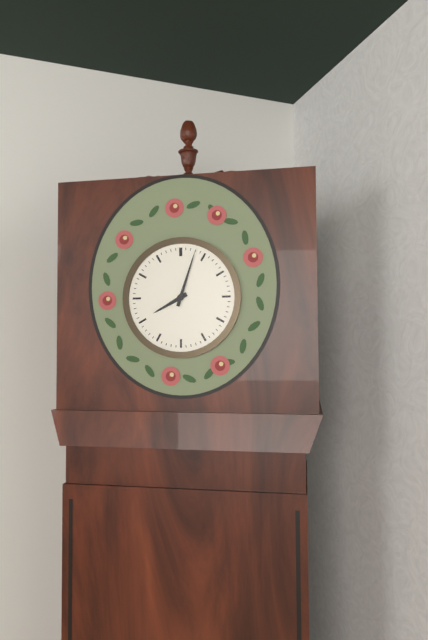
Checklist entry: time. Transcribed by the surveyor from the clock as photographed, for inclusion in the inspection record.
8:03
